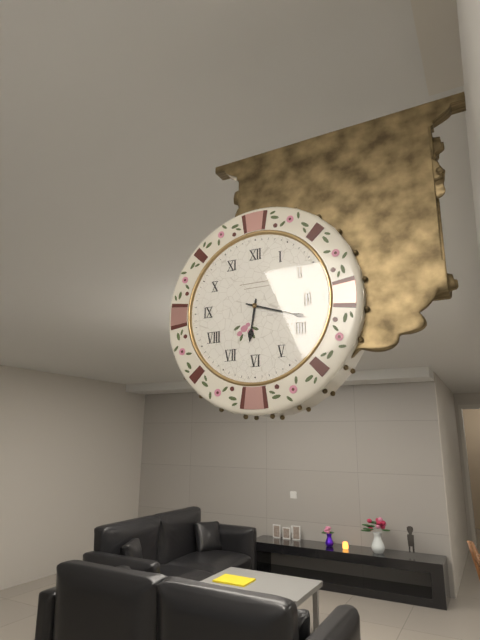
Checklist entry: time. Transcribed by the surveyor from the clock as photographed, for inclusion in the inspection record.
6:18
